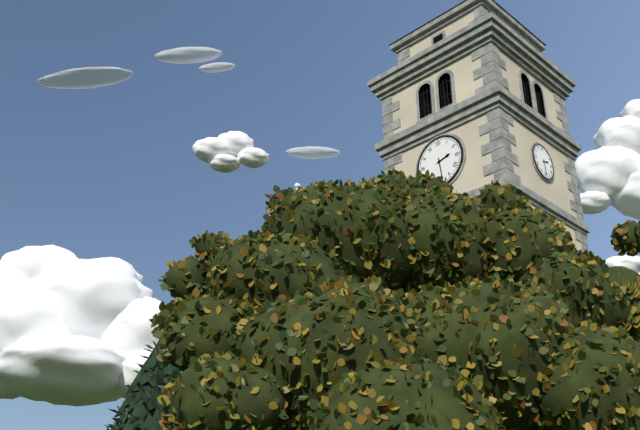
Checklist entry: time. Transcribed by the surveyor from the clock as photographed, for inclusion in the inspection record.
2:29
